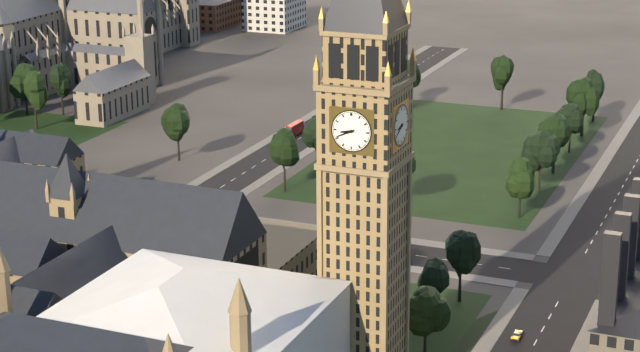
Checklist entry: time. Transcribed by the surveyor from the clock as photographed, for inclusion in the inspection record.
8:41
